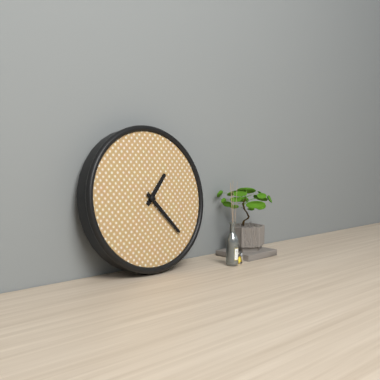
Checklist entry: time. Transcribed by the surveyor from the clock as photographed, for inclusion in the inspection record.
1:23
